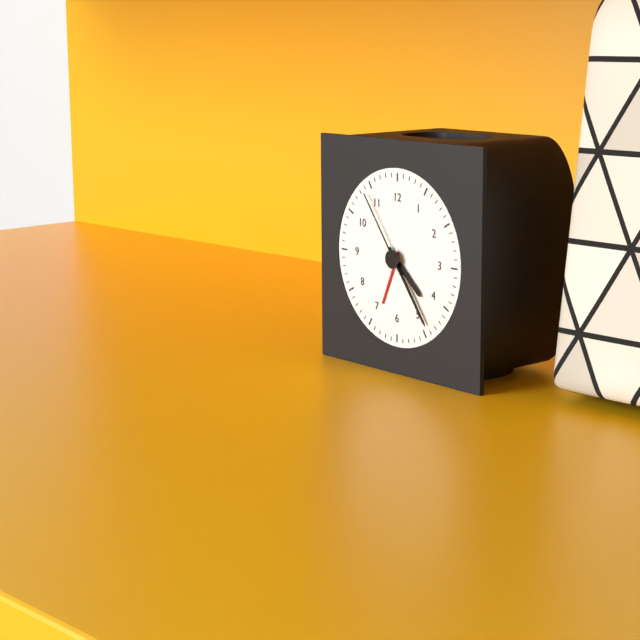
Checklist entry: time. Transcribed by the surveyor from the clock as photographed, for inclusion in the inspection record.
4:24:54
